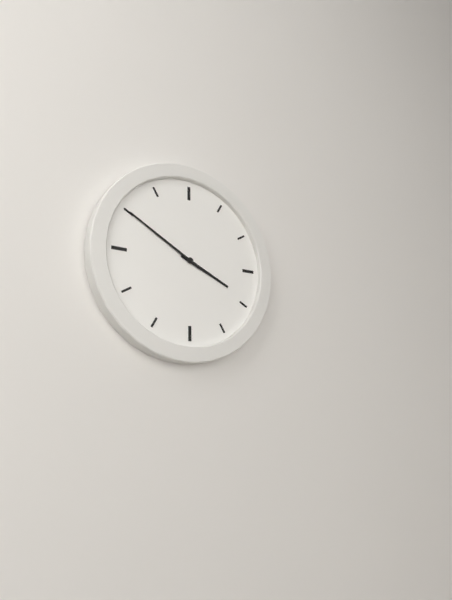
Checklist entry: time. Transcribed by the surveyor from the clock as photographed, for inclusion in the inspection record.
3:50
